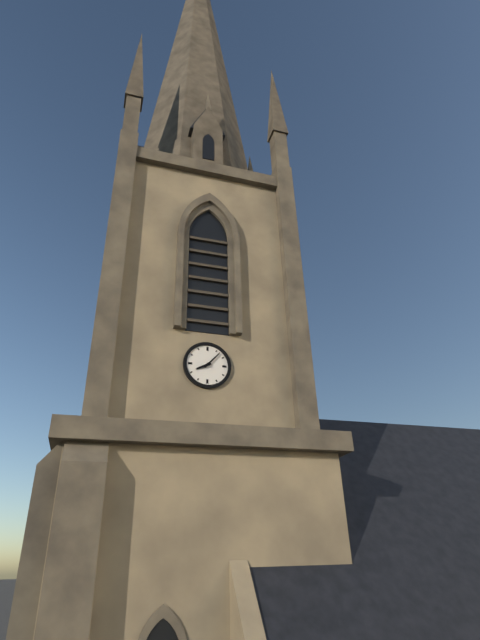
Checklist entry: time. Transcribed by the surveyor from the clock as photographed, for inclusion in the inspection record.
8:07
